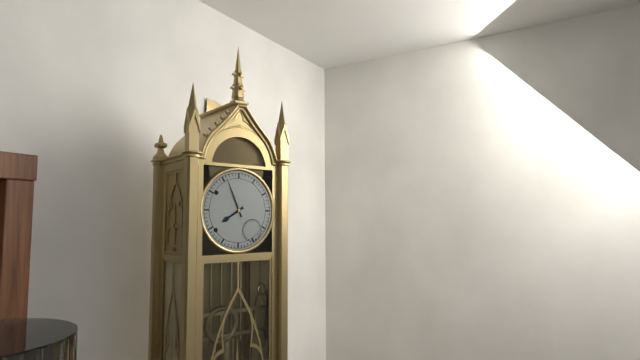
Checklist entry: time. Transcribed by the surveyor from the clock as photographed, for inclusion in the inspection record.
7:56
